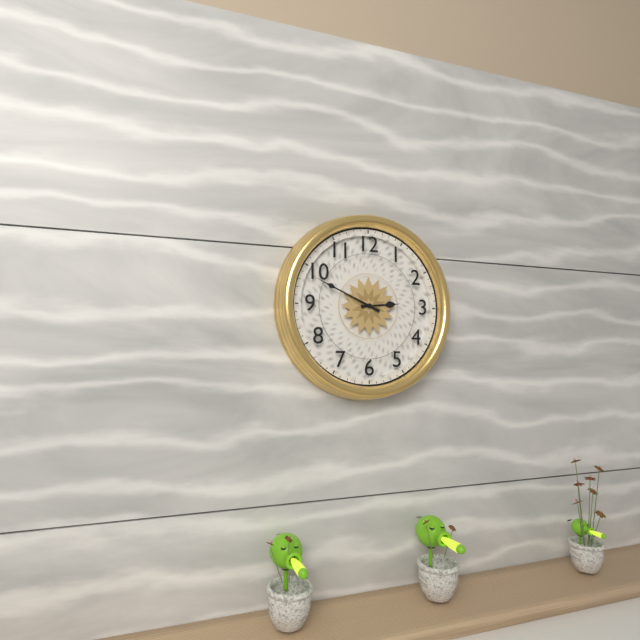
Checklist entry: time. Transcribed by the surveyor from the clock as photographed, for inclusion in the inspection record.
2:49
